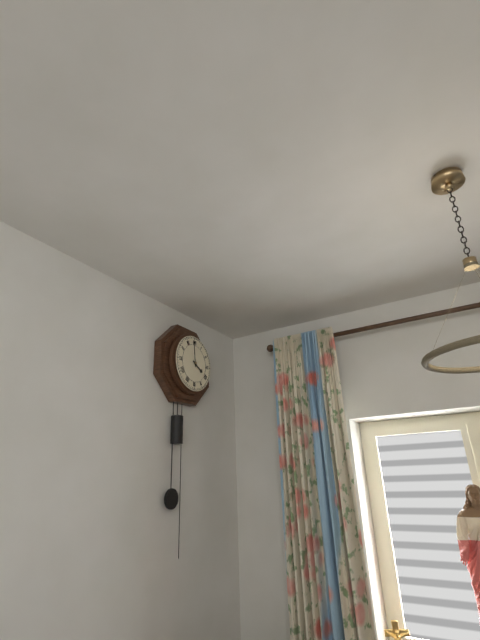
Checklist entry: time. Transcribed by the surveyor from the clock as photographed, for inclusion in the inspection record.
3:59
